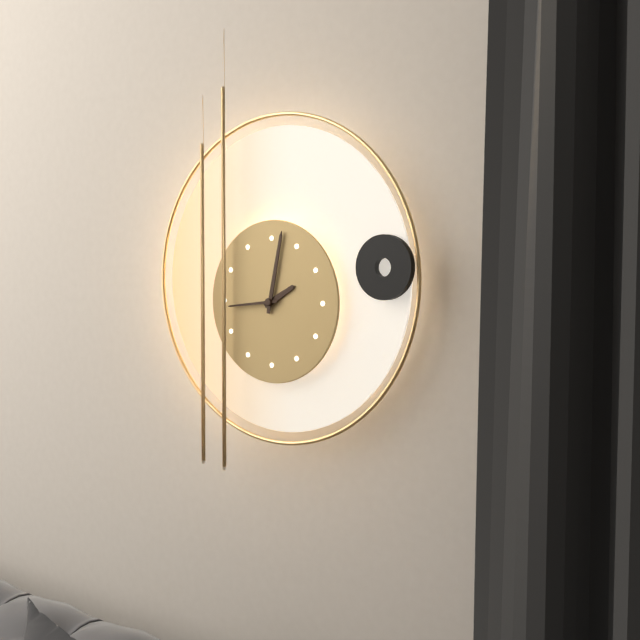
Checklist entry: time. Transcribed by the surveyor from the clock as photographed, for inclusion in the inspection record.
2:02:44
